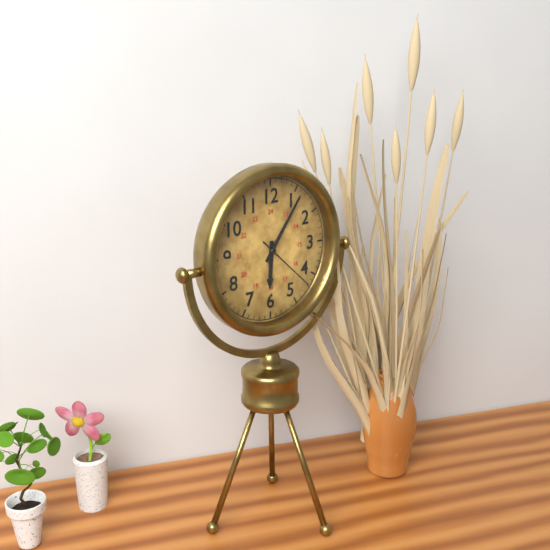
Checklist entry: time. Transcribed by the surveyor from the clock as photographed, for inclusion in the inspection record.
6:06:22
